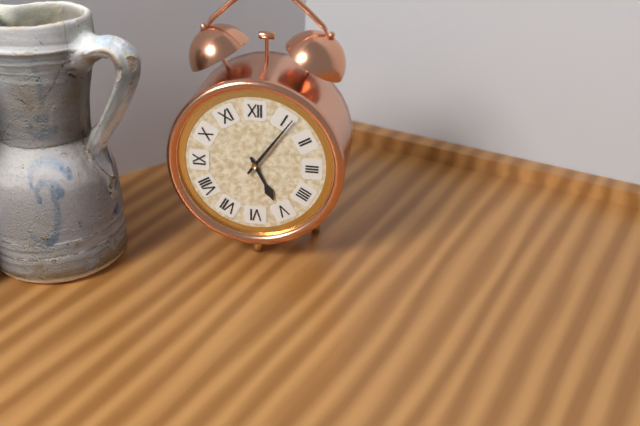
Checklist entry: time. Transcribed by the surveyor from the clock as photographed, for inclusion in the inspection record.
5:06
